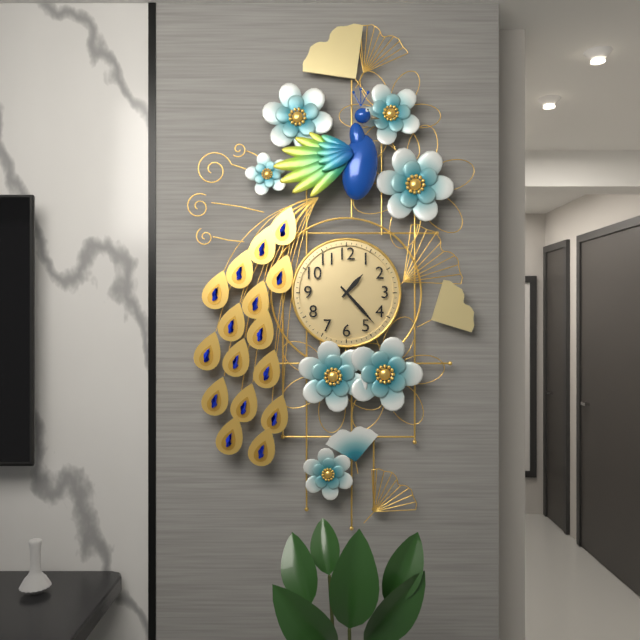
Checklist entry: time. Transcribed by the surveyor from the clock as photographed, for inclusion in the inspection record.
1:23
